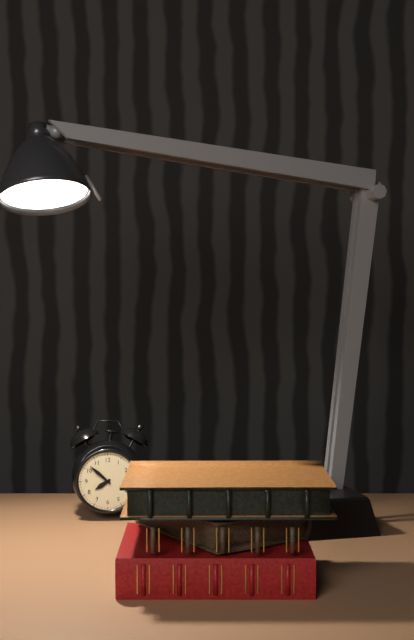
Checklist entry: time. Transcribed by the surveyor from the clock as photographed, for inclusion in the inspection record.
7:52
